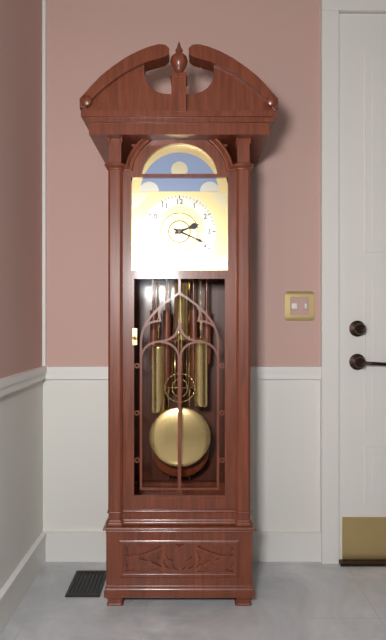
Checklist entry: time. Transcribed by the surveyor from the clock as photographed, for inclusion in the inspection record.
2:19
